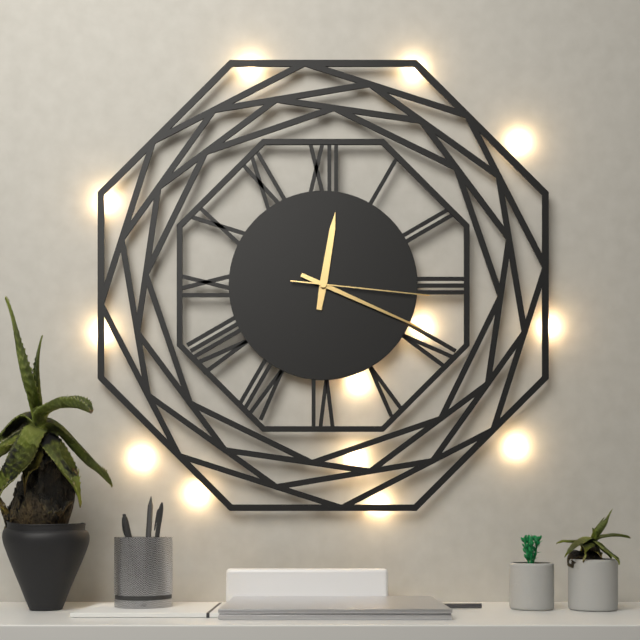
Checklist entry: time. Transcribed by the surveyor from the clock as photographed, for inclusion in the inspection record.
12:19:16
